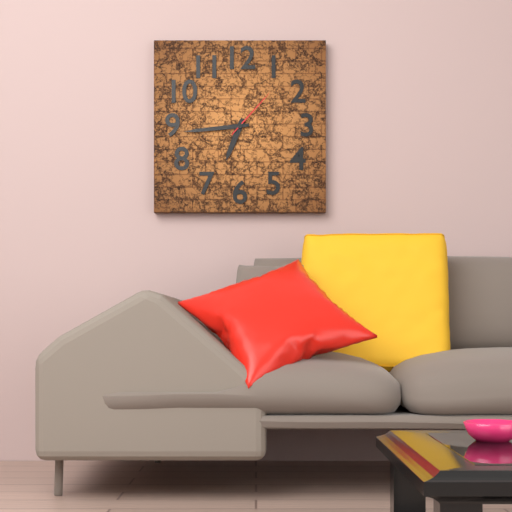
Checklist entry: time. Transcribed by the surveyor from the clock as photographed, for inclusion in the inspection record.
6:44:07
